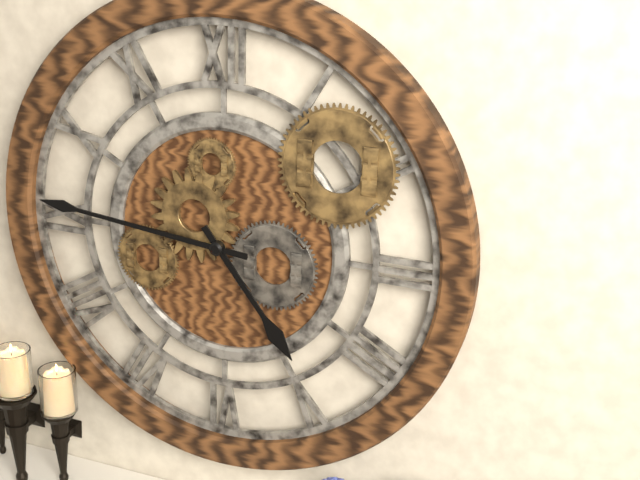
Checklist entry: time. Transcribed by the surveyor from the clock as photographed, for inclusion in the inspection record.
4:46
